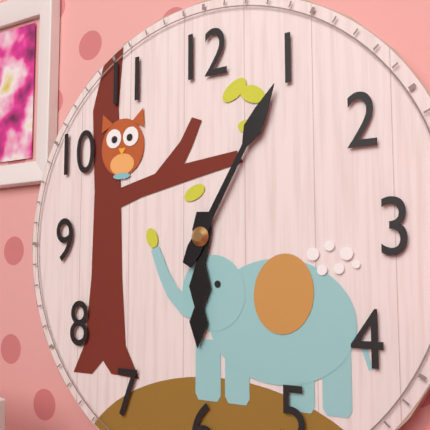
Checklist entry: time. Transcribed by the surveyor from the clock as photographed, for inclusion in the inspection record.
6:05
